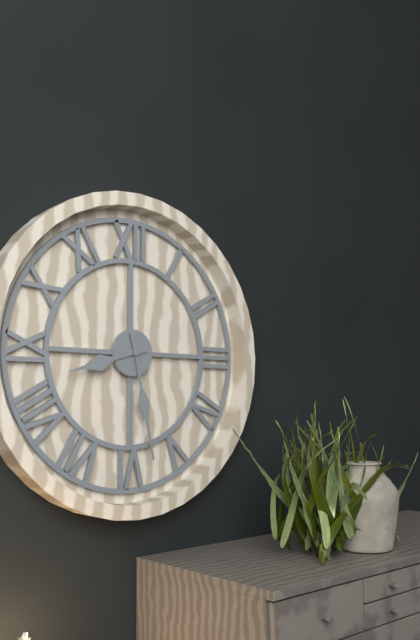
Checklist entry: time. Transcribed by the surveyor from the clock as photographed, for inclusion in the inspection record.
8:28
